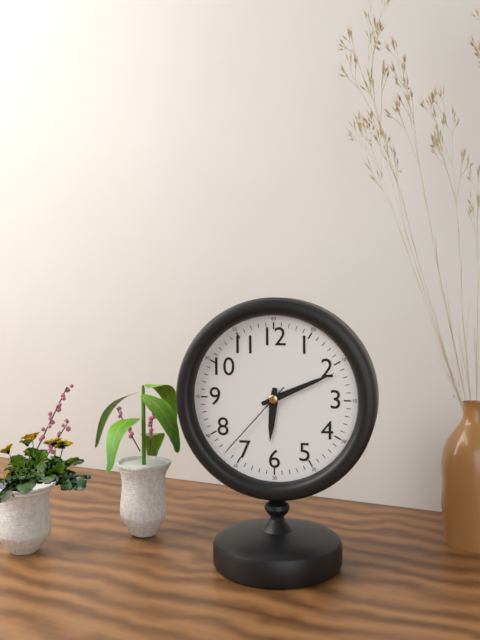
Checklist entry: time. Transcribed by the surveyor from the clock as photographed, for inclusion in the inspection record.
6:11:37
